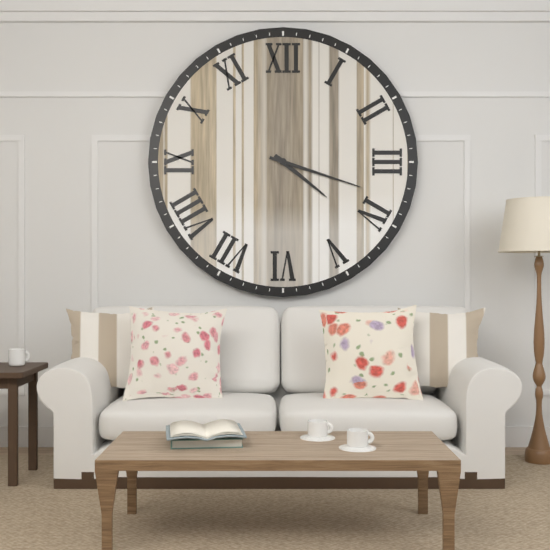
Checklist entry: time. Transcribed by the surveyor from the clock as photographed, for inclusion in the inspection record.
4:18
